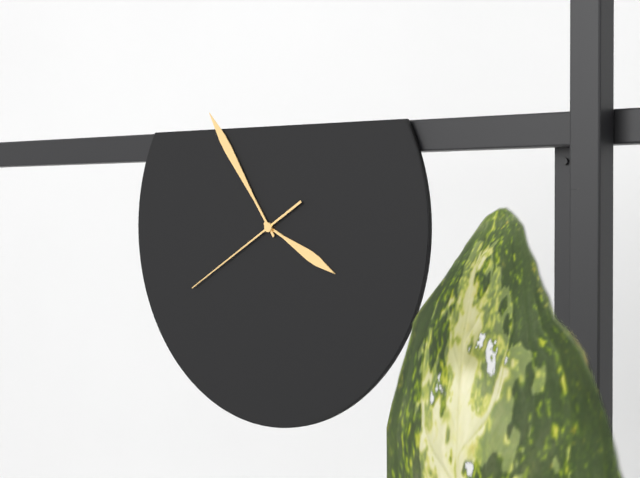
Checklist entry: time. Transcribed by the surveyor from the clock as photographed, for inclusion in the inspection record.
3:54:40
